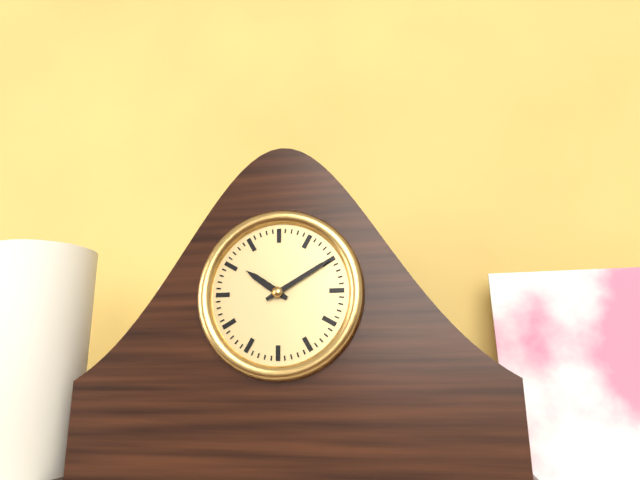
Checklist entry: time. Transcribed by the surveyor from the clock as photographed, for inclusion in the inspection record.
10:10
